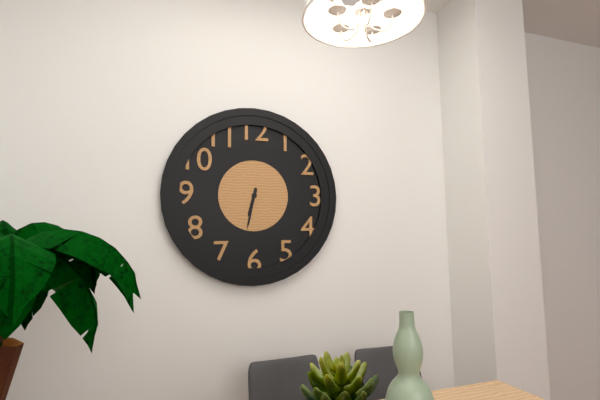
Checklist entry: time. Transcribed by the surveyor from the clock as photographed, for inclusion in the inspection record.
6:32
